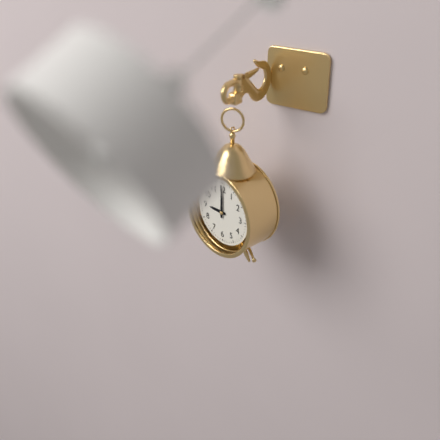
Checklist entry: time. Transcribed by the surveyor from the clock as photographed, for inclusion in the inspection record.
9:00
